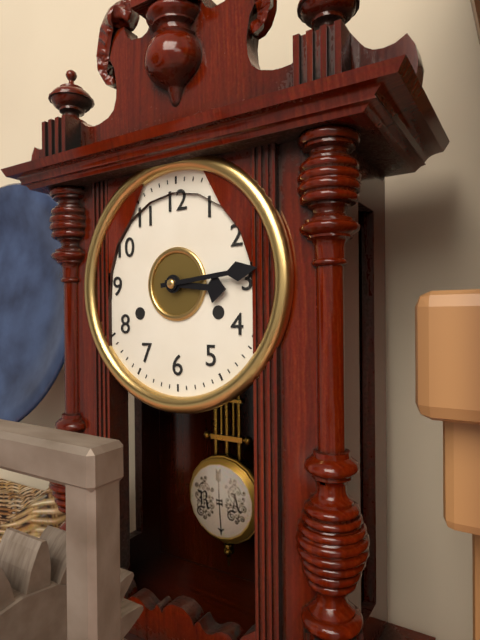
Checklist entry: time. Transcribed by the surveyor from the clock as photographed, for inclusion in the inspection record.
3:14
